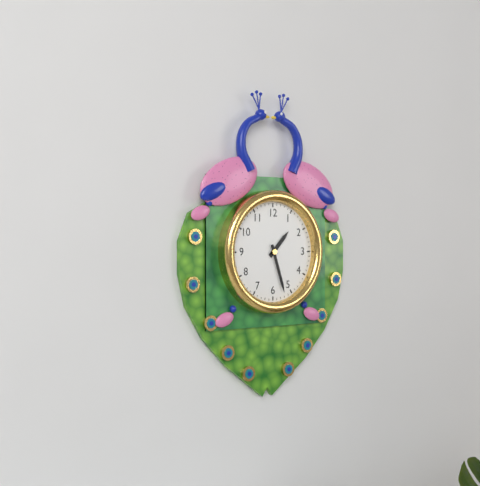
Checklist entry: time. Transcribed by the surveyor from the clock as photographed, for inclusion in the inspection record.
1:27
